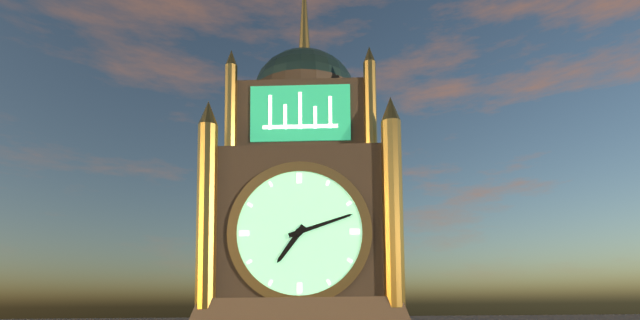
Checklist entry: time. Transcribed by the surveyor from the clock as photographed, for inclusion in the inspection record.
7:12
